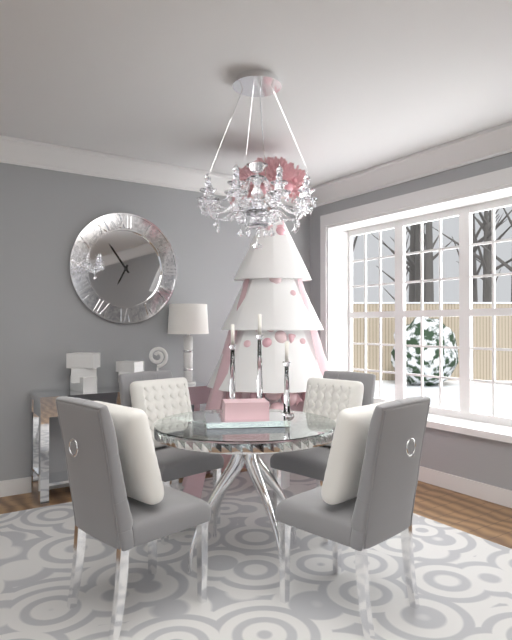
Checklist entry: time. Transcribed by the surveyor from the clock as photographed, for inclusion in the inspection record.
6:54
